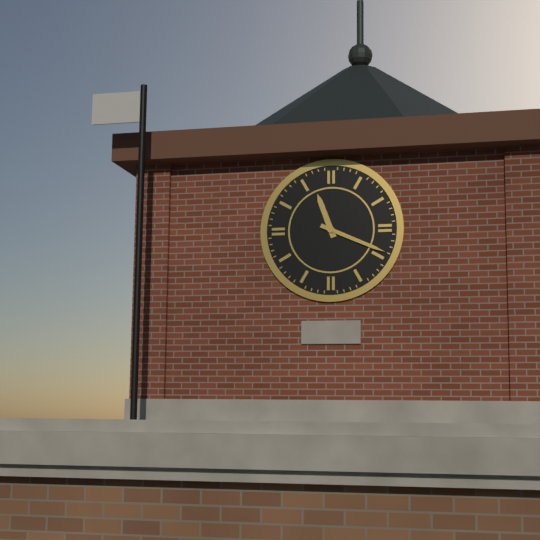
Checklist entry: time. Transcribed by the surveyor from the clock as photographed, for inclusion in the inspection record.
11:19
